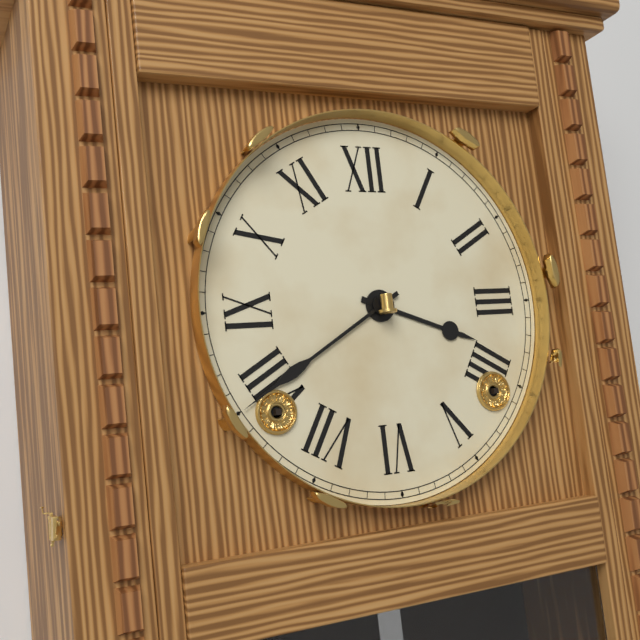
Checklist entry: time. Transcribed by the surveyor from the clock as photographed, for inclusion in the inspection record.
3:40
